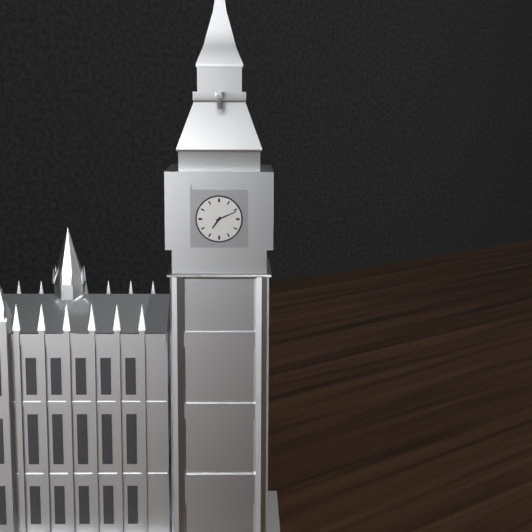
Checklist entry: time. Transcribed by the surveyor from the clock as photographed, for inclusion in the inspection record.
7:11
